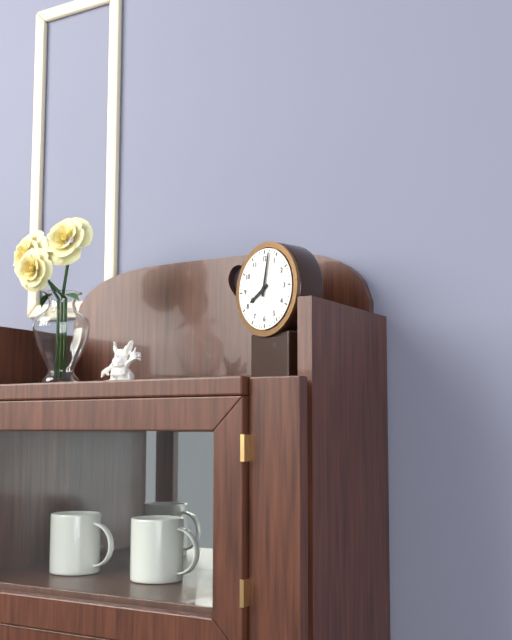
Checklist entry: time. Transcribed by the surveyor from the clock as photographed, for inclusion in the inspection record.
8:02
